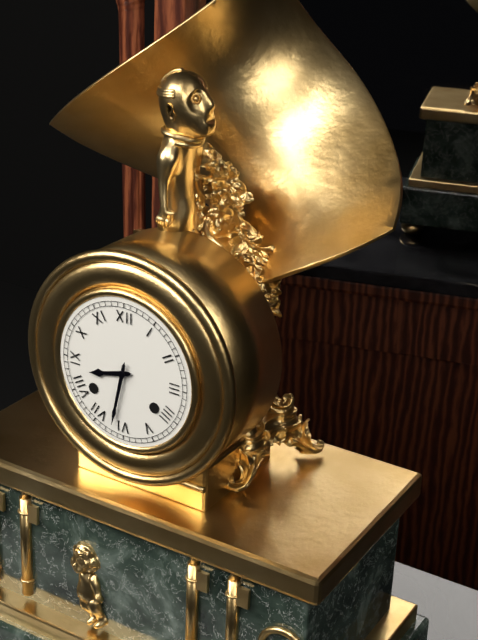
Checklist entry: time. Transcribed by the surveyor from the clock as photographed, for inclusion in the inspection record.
8:32
